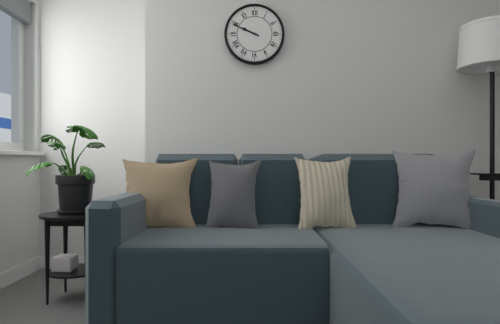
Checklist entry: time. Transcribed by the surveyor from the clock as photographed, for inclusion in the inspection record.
9:49
